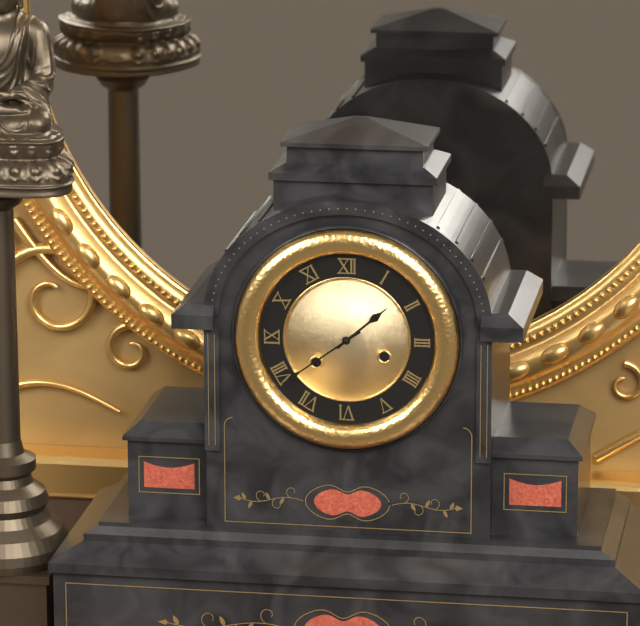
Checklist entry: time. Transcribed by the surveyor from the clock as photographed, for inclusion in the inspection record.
1:39
